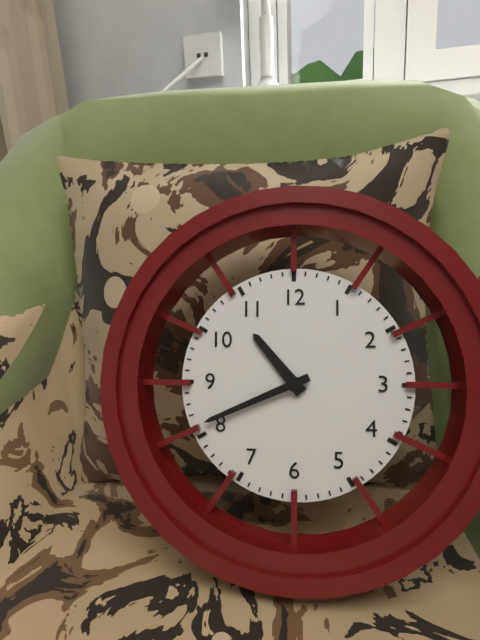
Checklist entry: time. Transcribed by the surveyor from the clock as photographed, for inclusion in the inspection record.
10:41
